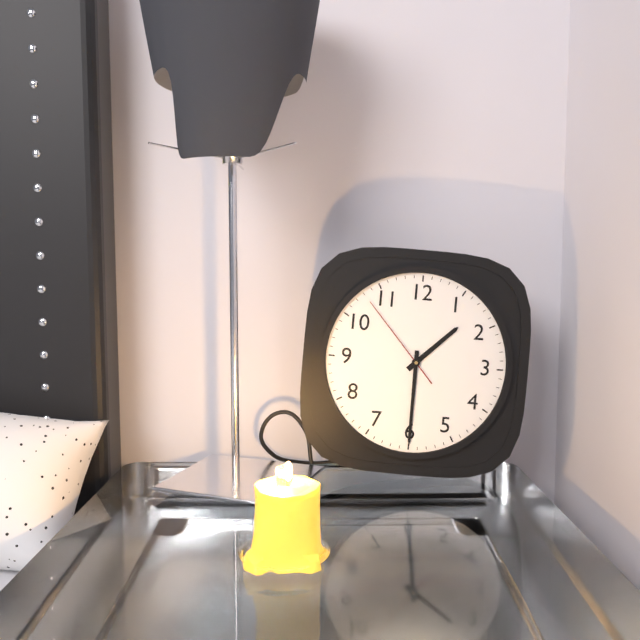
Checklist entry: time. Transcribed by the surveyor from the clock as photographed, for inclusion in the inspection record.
1:30:53
